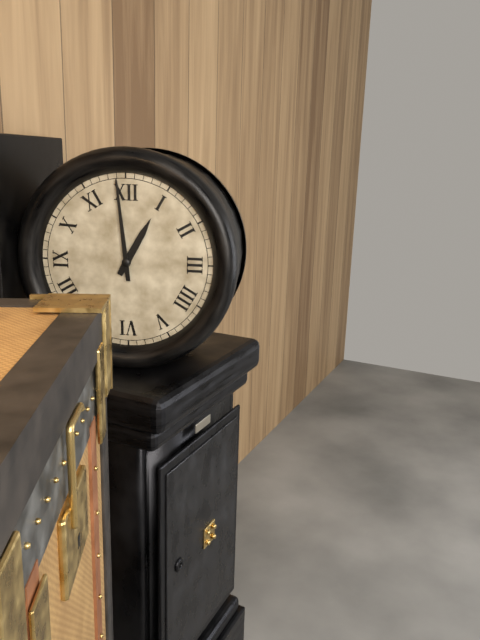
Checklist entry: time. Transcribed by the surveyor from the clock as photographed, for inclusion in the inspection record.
12:59
